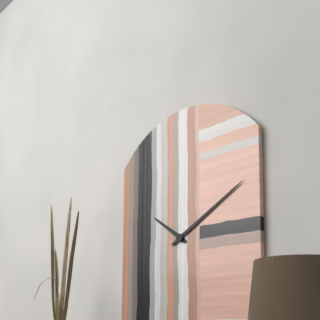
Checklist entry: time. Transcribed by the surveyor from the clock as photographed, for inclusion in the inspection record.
10:10
